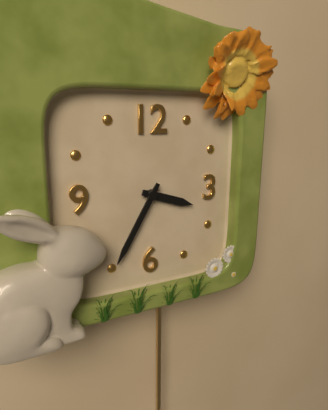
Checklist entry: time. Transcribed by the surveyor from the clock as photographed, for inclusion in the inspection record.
3:35
